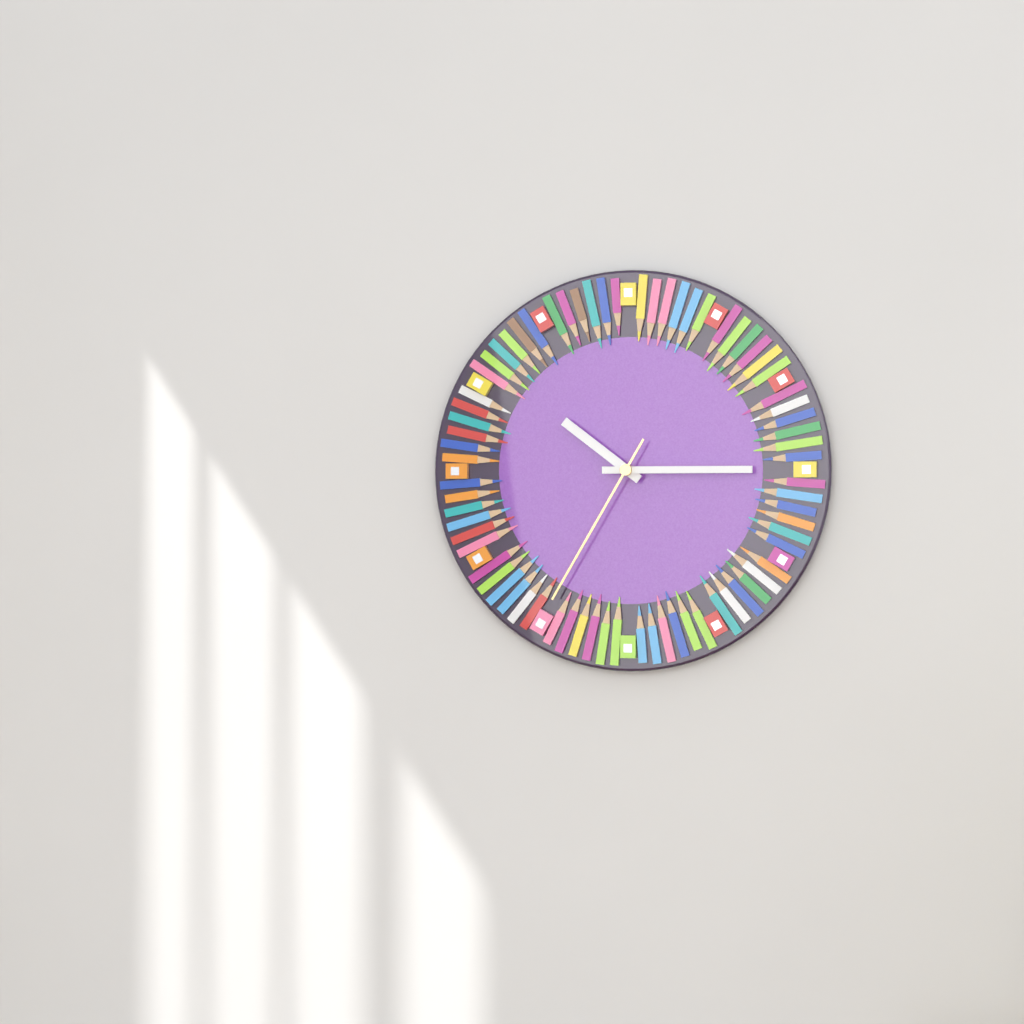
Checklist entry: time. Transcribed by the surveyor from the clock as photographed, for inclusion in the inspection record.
10:15:35
